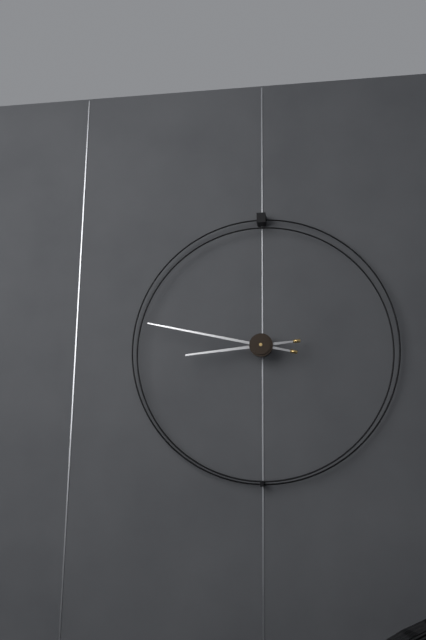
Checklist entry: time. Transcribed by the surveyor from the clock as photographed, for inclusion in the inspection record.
8:47
